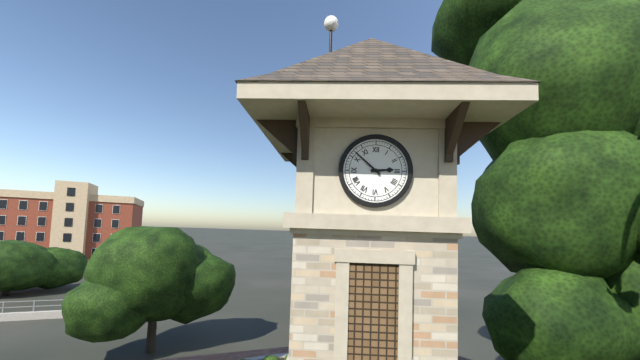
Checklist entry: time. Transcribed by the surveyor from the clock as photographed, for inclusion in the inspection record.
2:52
